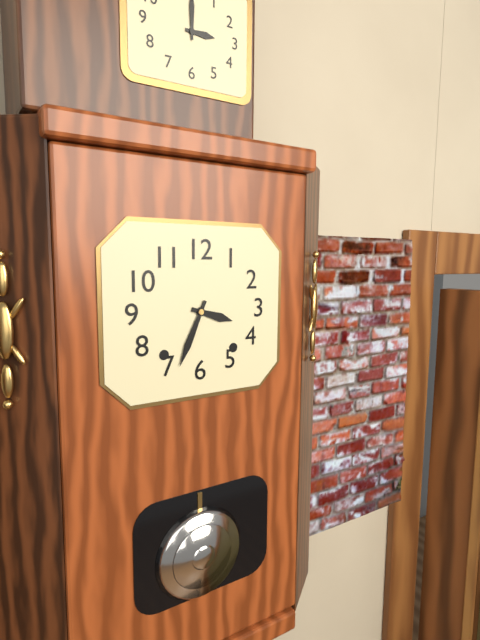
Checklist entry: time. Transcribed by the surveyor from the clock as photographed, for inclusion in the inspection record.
3:34
